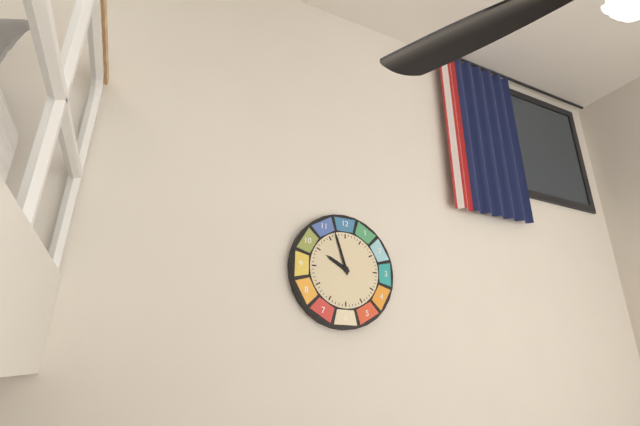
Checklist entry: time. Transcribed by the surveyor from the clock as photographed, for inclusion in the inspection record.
9:57
